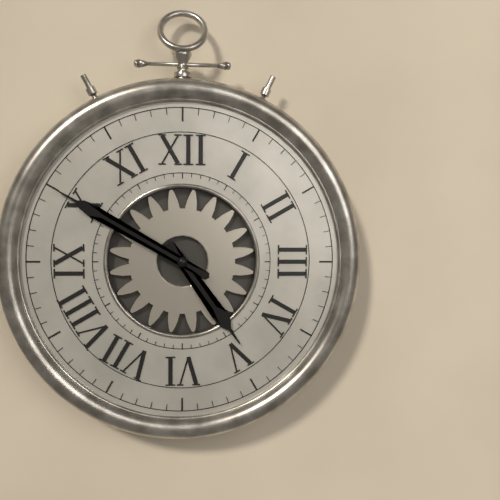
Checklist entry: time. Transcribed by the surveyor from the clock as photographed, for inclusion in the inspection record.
4:50
